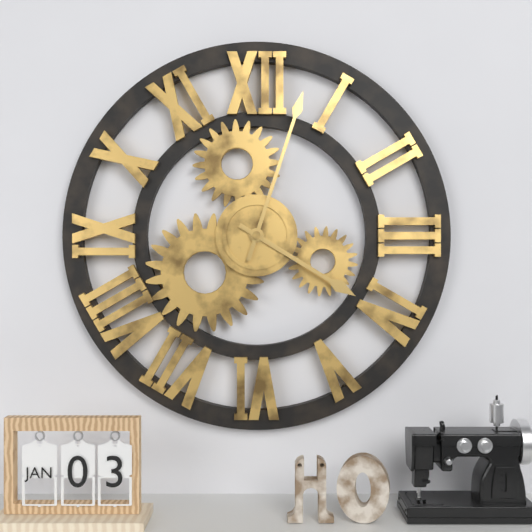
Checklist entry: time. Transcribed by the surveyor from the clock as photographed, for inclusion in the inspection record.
4:03
